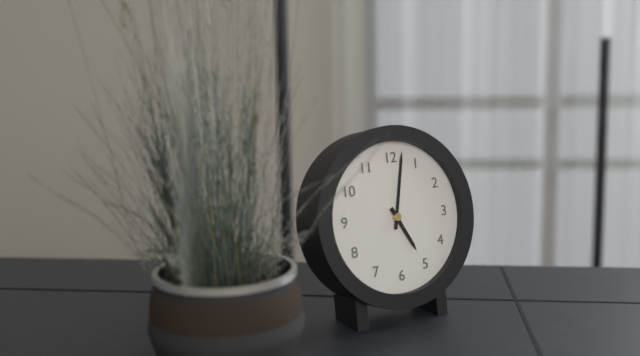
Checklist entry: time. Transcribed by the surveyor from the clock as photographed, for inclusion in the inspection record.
5:02
